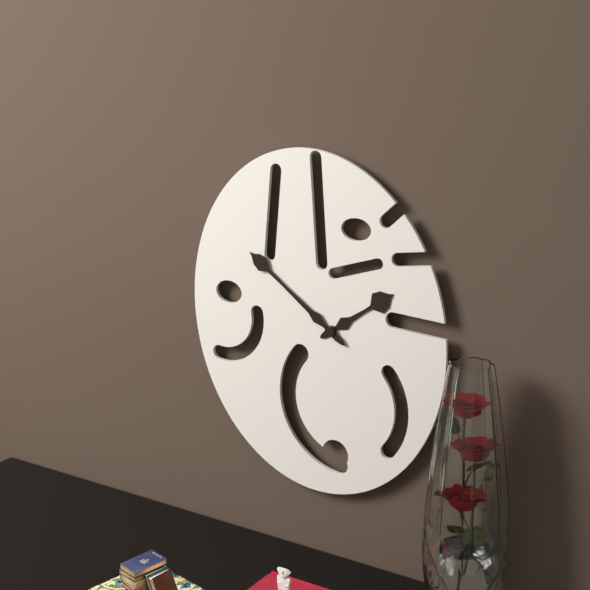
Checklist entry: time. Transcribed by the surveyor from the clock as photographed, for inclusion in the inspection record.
1:51
